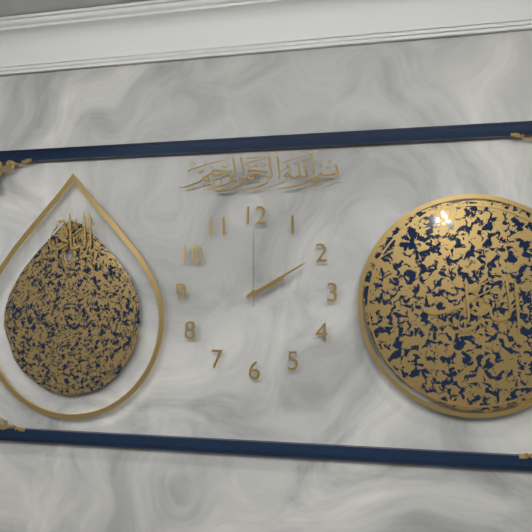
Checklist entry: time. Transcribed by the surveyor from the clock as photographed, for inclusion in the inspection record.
2:10:00
